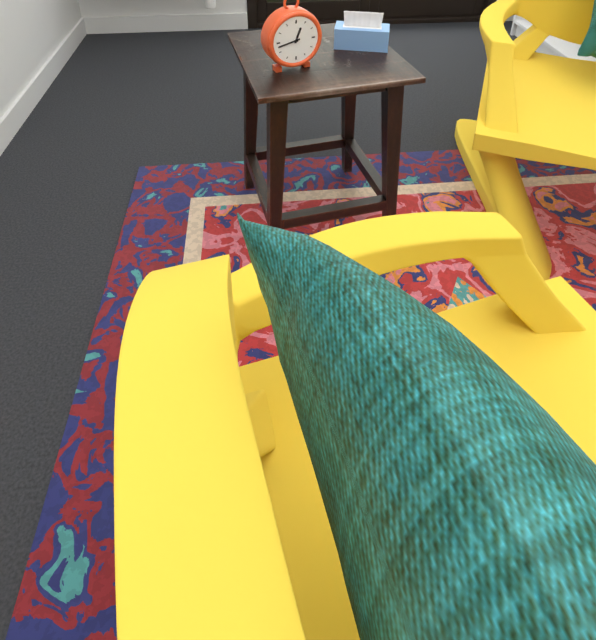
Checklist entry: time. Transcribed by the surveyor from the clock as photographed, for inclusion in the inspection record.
12:43
